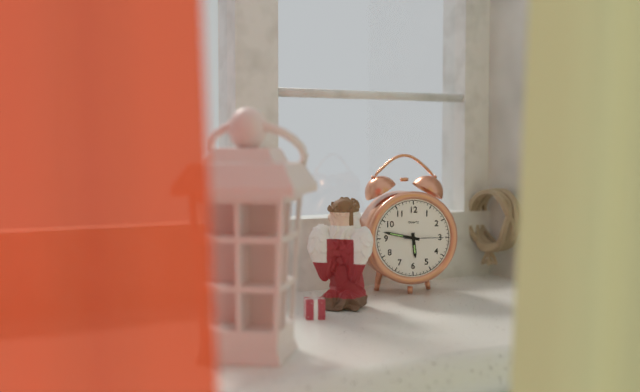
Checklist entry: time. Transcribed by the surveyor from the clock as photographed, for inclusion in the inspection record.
5:47:15
